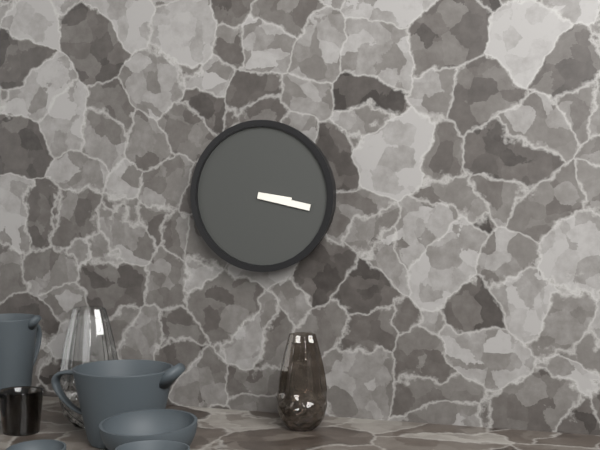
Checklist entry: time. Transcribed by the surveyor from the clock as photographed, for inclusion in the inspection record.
3:17
